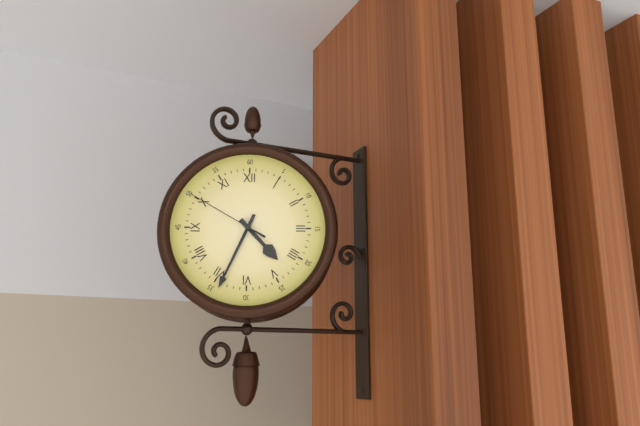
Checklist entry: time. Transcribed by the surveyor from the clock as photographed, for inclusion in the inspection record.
4:34:50
